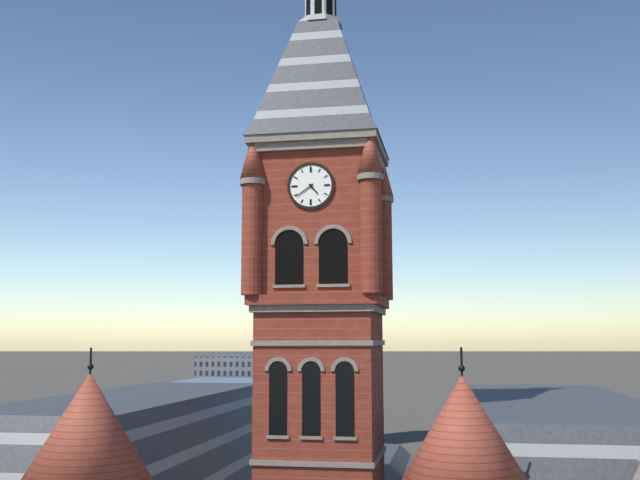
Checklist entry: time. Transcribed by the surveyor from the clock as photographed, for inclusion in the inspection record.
4:39
